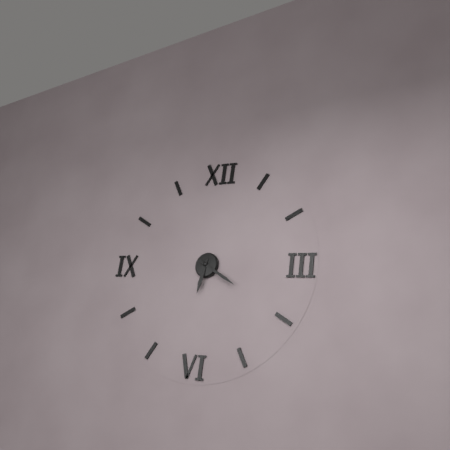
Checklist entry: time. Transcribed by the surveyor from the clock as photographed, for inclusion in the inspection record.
6:20
